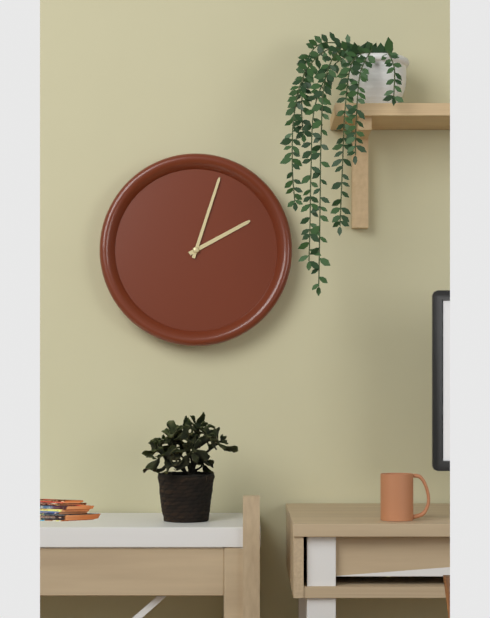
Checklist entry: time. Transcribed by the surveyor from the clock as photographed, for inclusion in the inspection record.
2:03
